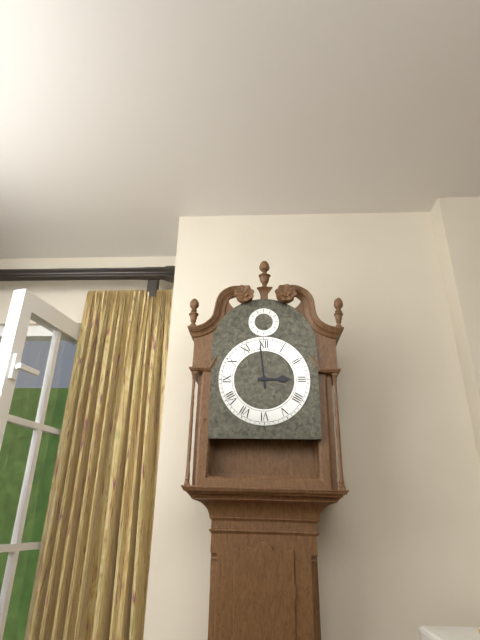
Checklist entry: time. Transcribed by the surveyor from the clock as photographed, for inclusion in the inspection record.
2:59
